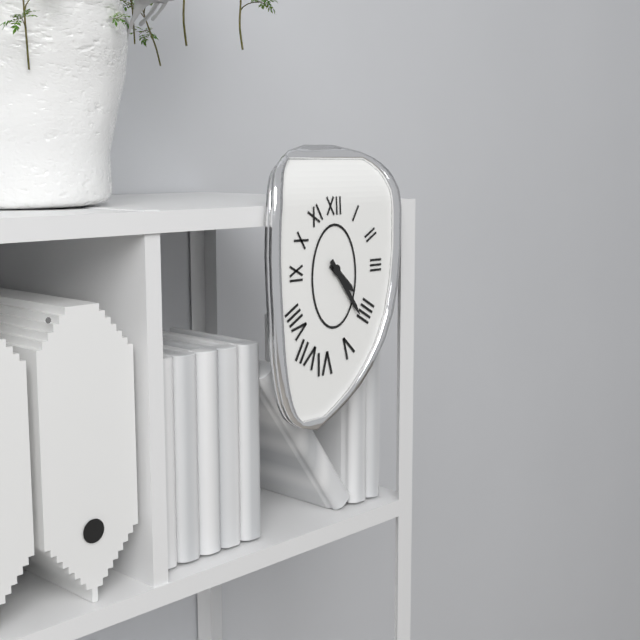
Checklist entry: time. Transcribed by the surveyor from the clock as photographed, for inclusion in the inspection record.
4:24
